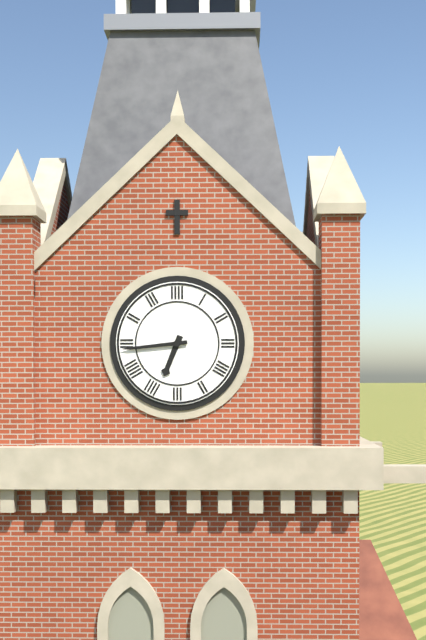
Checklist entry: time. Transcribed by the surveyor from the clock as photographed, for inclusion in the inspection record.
6:44
